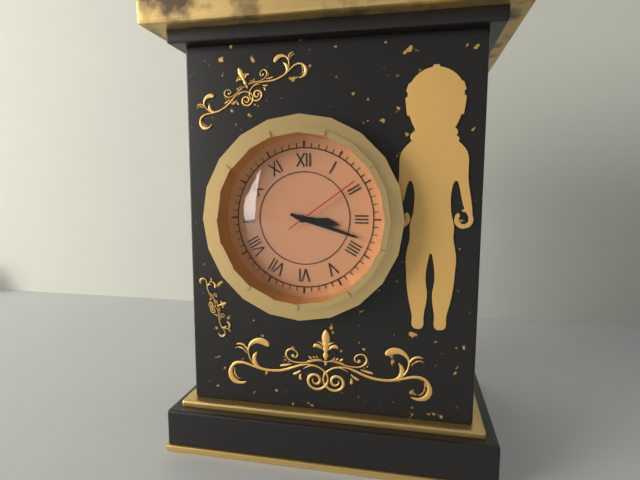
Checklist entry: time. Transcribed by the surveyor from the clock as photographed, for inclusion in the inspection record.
3:18:09
